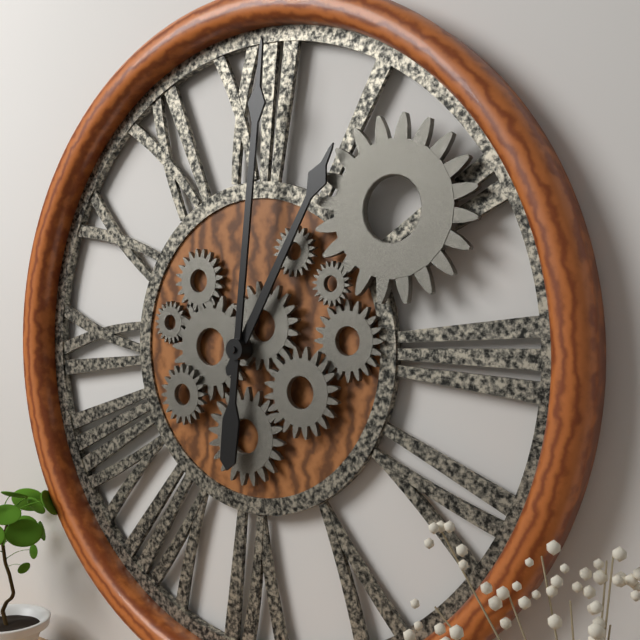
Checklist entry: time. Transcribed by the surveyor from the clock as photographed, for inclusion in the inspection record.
1:01
